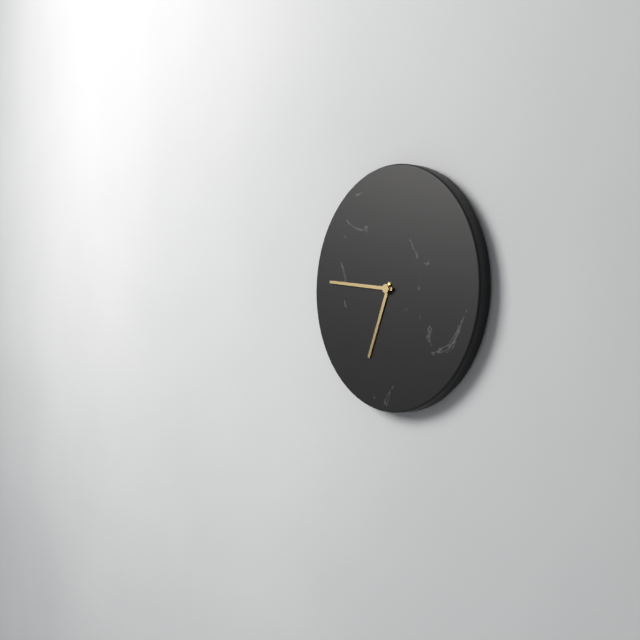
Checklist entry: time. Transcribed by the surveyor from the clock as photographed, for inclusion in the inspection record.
6:46
